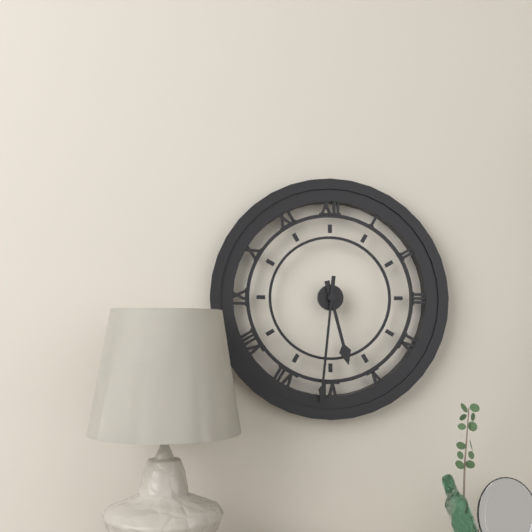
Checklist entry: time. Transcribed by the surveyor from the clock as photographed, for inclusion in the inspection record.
5:31
